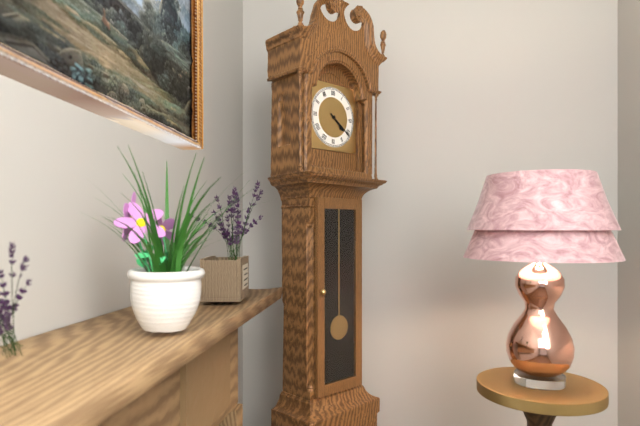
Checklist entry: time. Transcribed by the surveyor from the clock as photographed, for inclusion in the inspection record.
4:21
